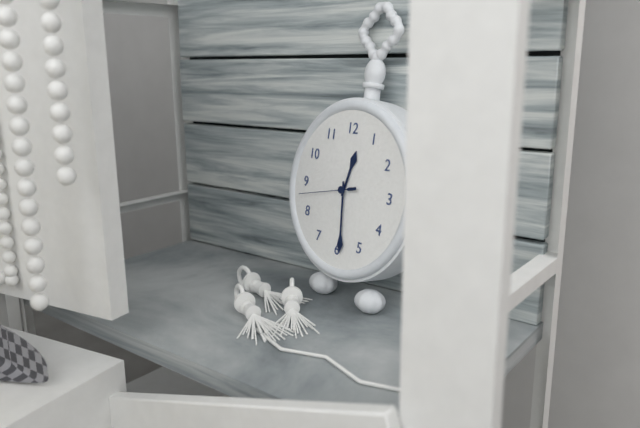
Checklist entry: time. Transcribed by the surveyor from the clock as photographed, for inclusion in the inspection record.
12:29:43
